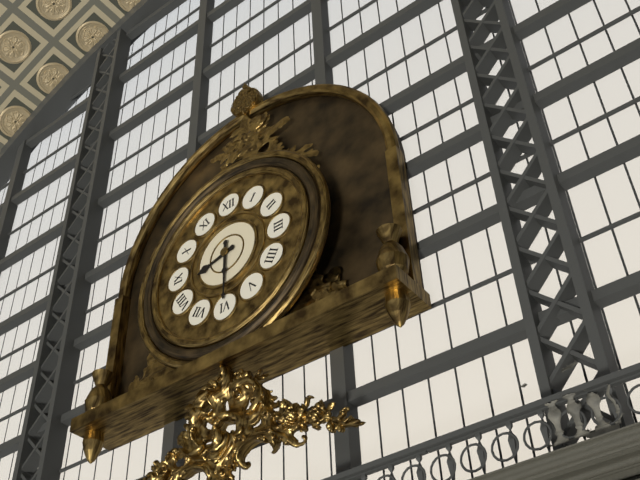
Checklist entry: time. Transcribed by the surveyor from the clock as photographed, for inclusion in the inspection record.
8:30
